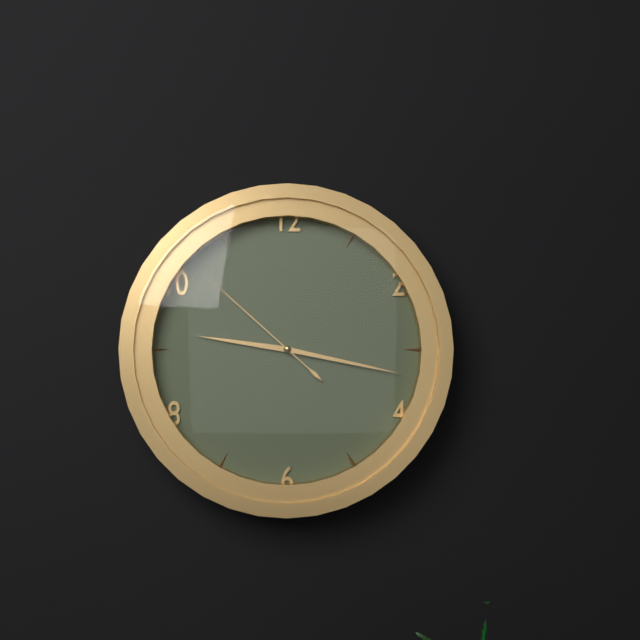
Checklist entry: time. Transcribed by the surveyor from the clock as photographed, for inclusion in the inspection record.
9:17:52
